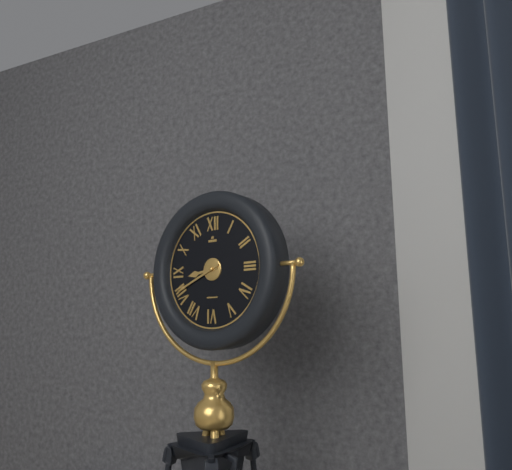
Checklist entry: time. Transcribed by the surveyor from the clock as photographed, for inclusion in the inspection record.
8:41
